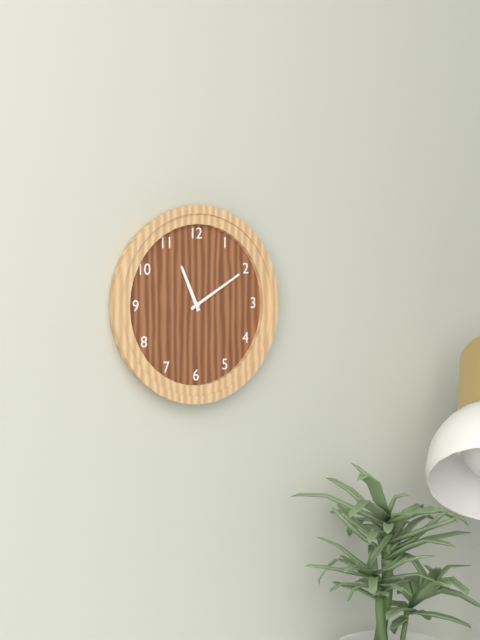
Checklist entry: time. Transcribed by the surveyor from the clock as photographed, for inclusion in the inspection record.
11:10
